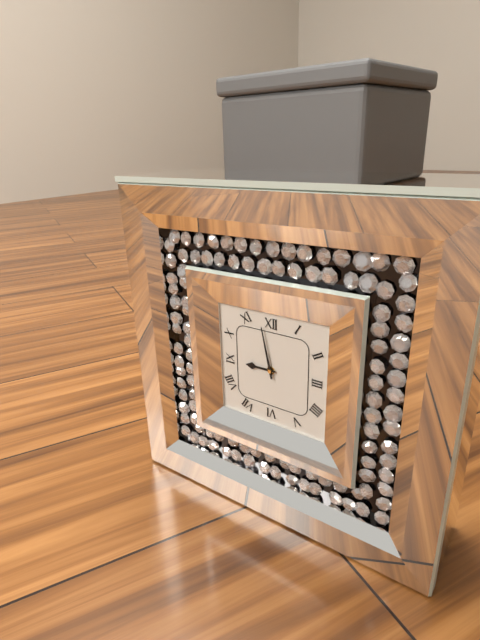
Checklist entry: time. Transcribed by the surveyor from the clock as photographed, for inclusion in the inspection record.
8:58
